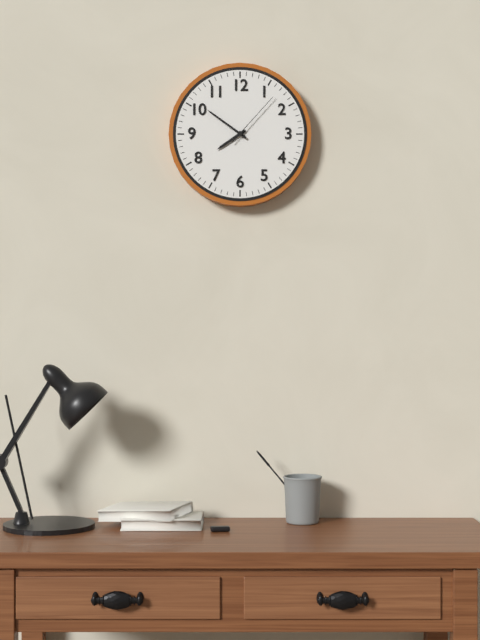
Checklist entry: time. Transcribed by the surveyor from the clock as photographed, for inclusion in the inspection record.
7:51:07
